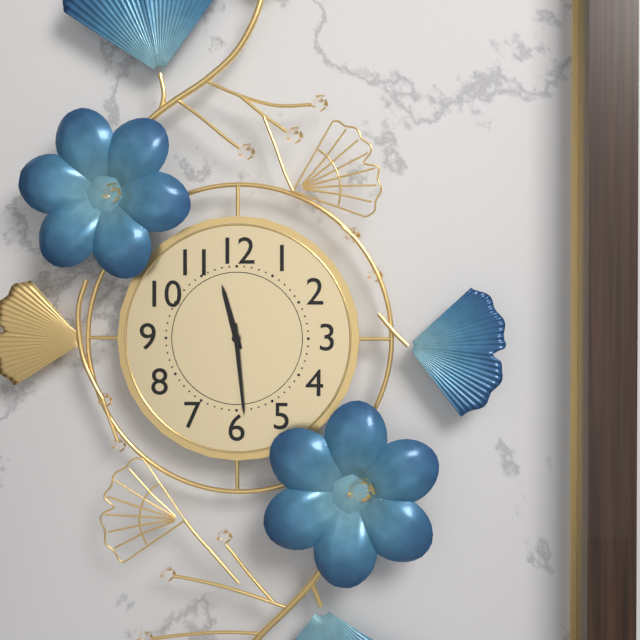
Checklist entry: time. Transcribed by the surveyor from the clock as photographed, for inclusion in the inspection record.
11:29
